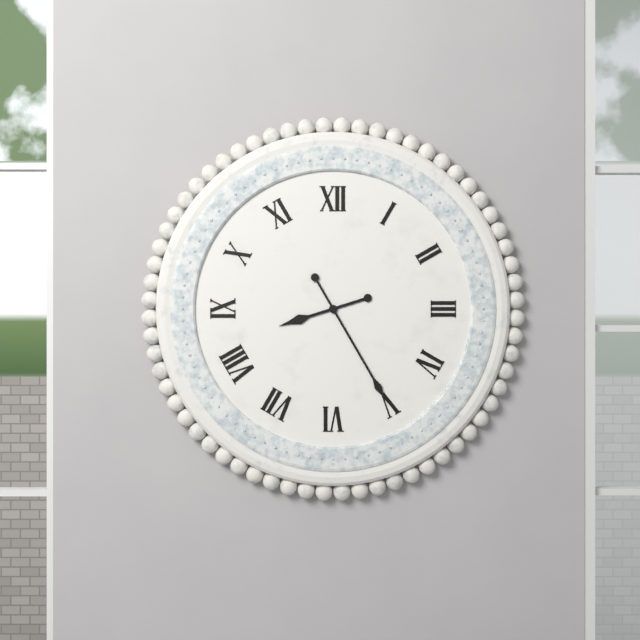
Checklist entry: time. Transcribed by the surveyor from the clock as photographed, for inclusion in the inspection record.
8:25
